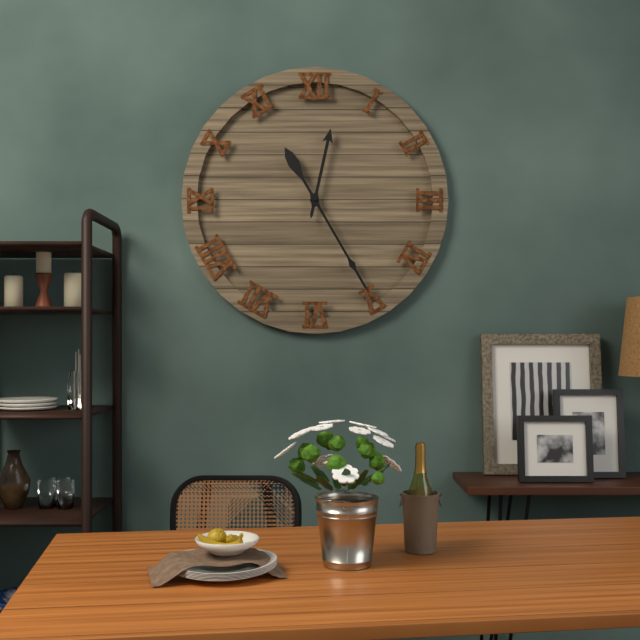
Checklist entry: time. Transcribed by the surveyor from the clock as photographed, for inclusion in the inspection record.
12:25
